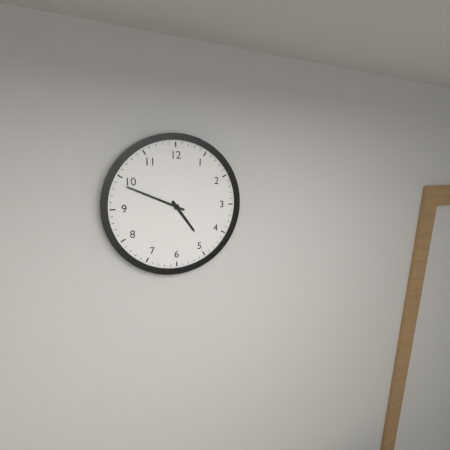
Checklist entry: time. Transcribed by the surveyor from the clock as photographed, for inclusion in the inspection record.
4:49
